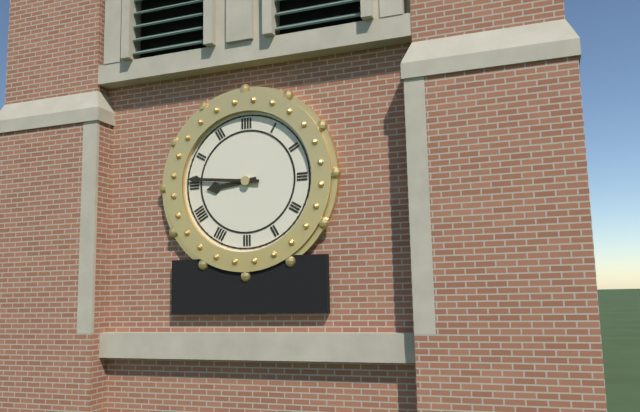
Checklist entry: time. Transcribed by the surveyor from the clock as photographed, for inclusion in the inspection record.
8:46
